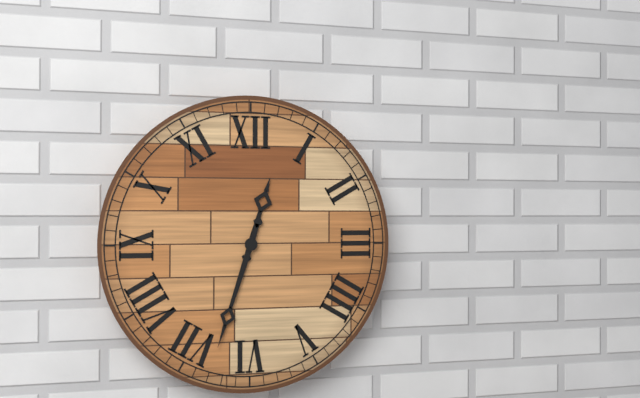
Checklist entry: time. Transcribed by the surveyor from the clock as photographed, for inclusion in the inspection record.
12:33
